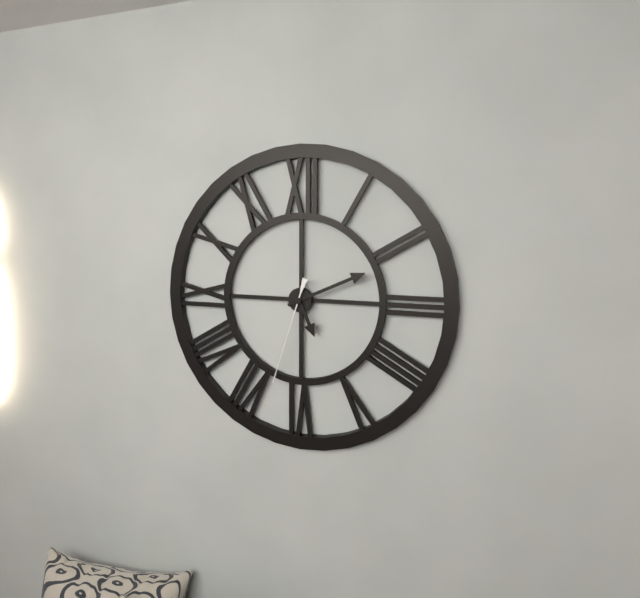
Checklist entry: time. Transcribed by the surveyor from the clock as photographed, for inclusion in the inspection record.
5:11:33
